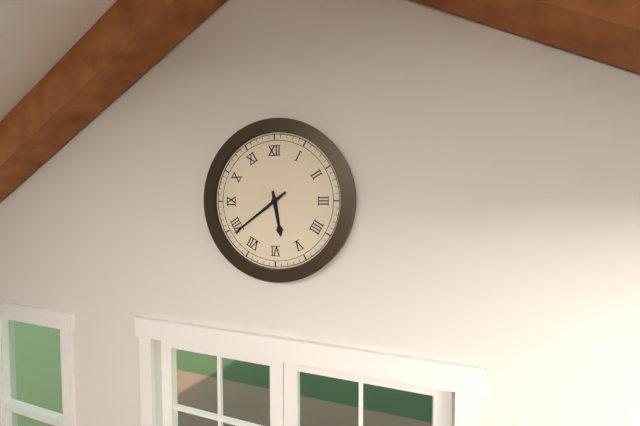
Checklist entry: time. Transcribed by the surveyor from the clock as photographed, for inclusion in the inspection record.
5:39
